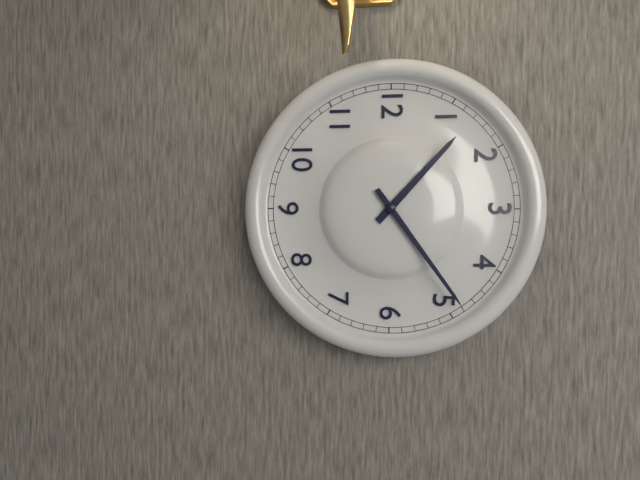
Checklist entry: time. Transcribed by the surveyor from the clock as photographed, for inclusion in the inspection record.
1:24
